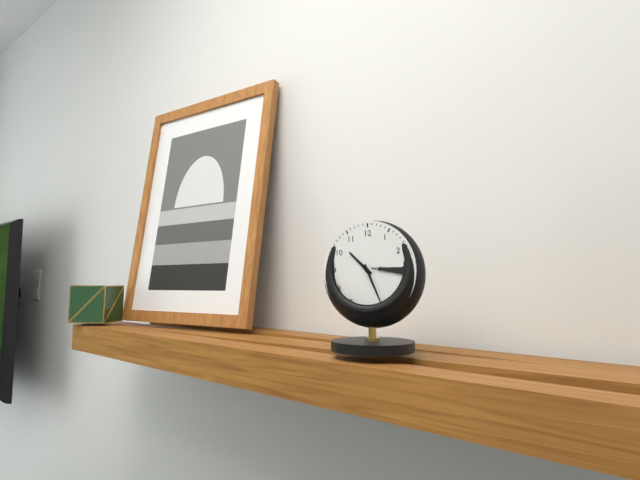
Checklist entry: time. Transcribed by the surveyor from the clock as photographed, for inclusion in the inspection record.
10:26
